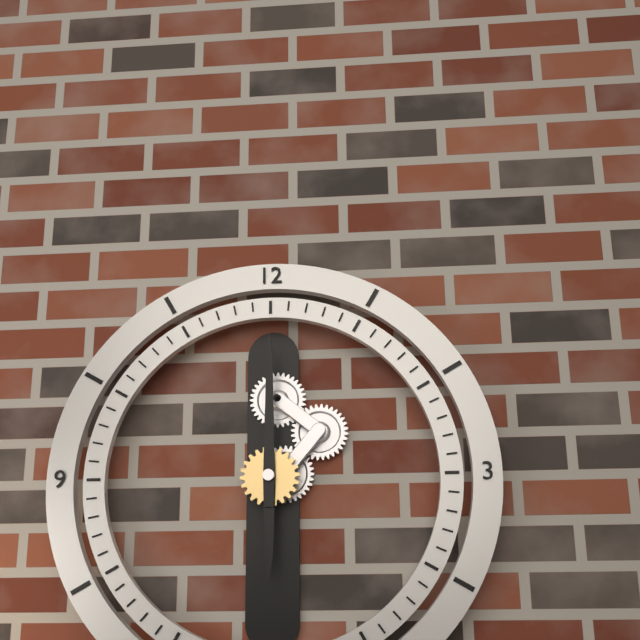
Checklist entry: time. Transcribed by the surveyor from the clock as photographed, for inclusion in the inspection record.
6:00
